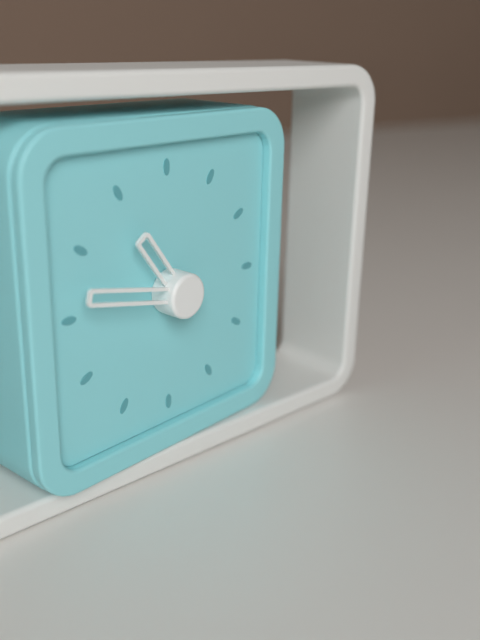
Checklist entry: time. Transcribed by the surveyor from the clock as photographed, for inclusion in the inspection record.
10:47
